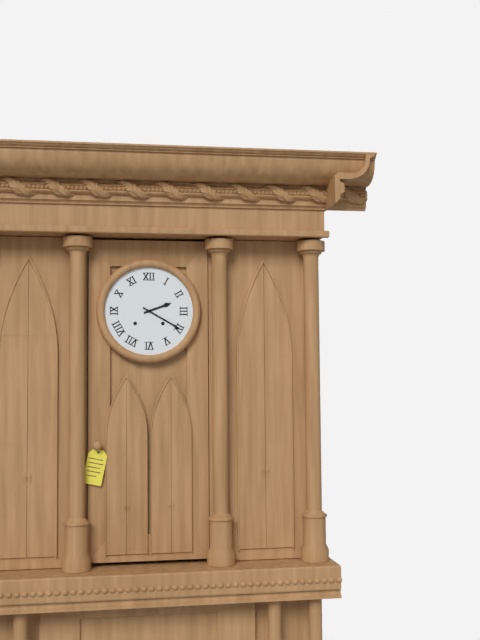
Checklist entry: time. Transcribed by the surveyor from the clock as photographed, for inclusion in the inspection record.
2:20
